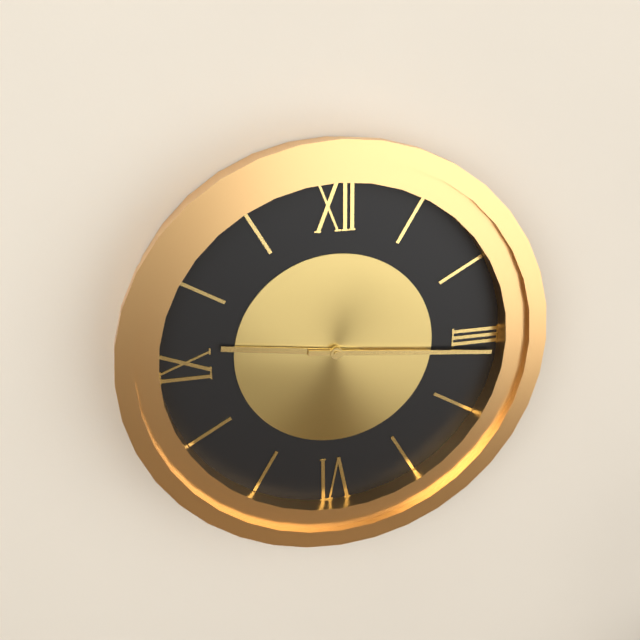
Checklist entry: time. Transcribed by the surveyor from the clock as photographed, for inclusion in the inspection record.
9:16
